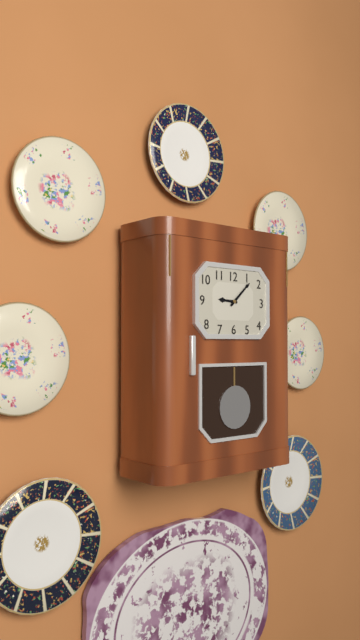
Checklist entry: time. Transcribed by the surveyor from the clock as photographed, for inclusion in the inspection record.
9:08
